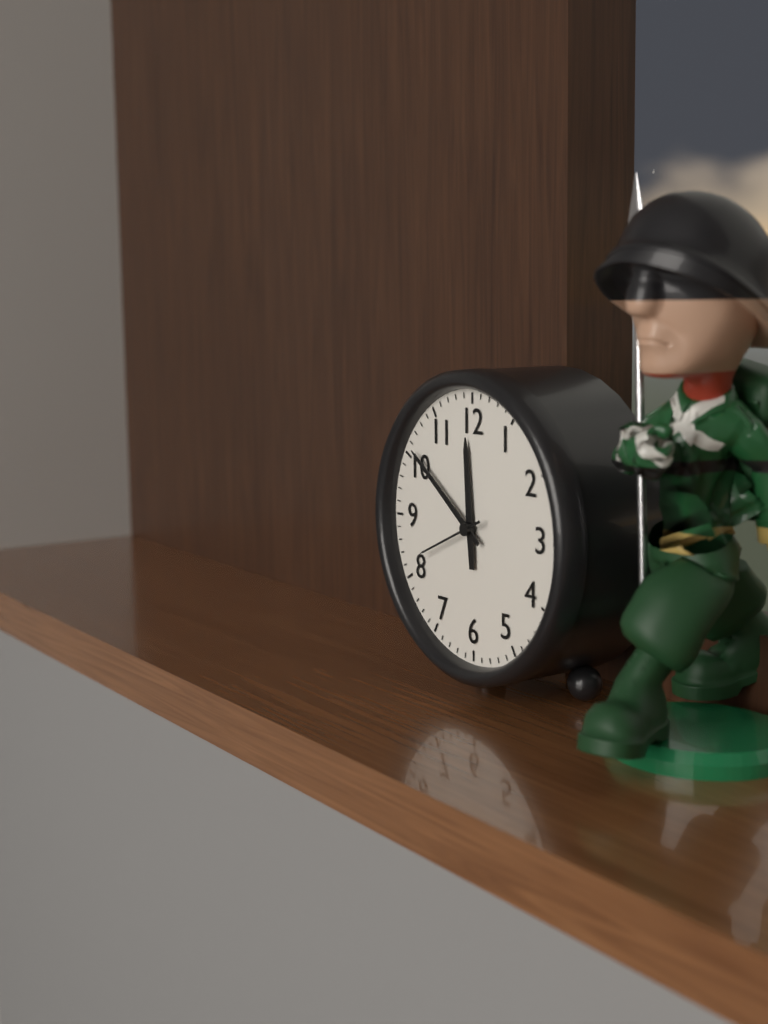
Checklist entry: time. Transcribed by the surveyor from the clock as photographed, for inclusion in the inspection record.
11:51:41
